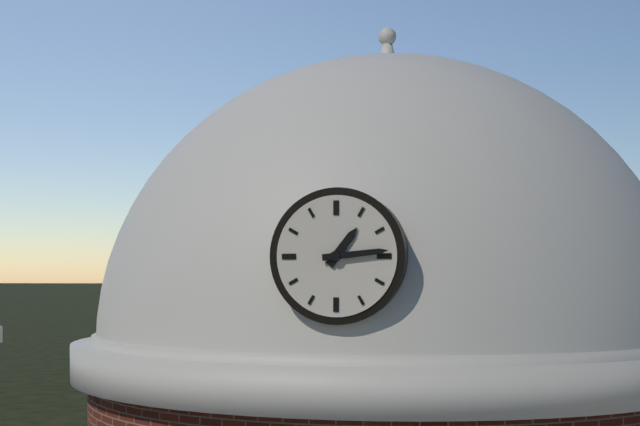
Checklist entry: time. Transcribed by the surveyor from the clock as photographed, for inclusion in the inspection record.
1:14
